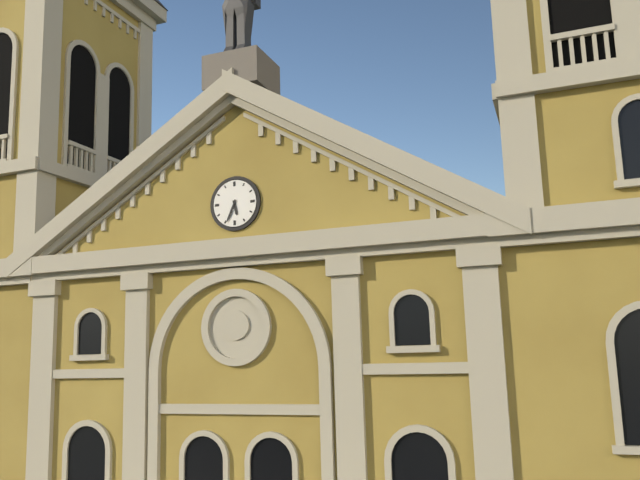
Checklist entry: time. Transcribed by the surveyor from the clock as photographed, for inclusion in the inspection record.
5:34
